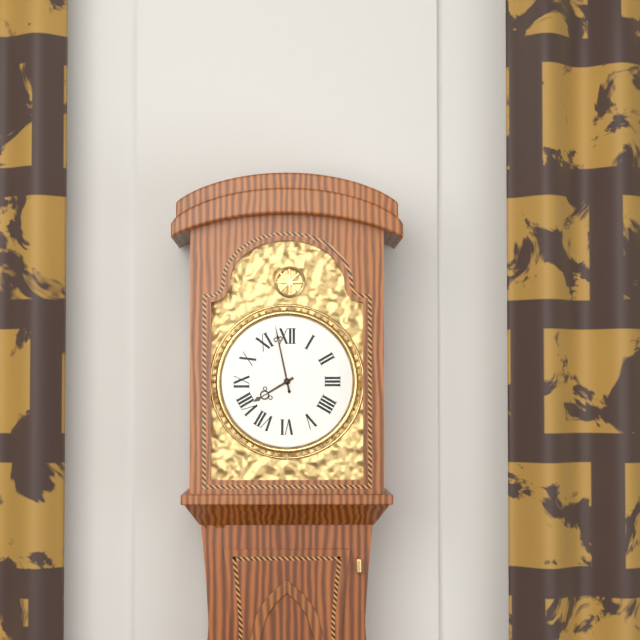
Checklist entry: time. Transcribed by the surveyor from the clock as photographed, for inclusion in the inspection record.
7:58
